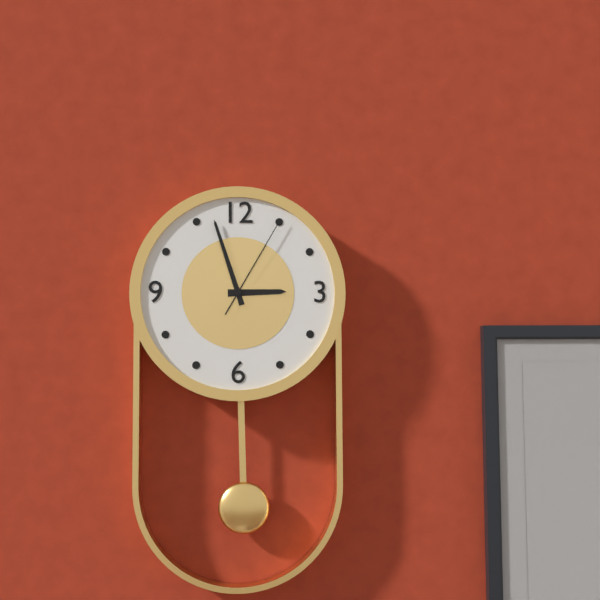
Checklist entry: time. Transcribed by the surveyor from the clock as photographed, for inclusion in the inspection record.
2:57:05
